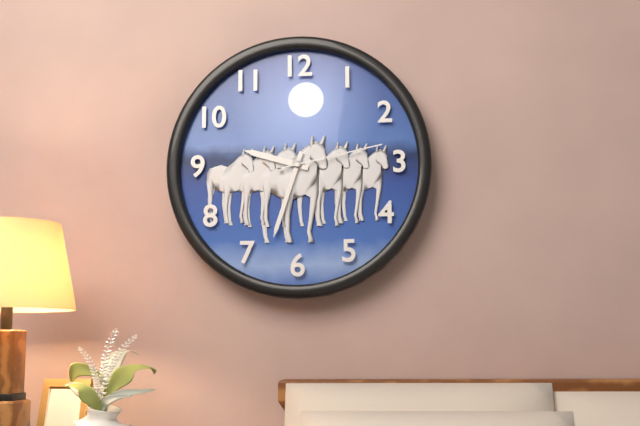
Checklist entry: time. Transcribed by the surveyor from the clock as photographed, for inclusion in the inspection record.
9:33:13
